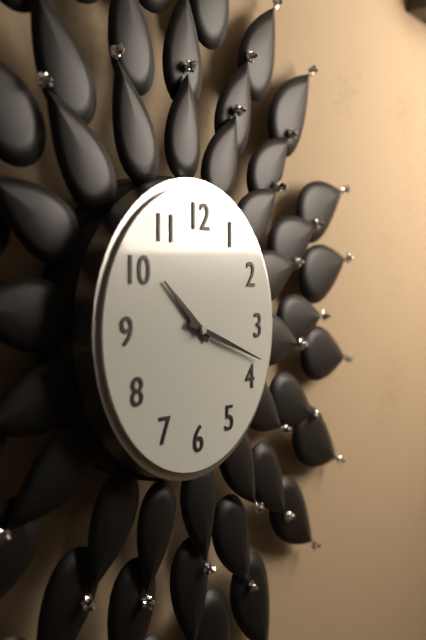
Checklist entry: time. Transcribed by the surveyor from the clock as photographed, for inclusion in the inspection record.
10:18
